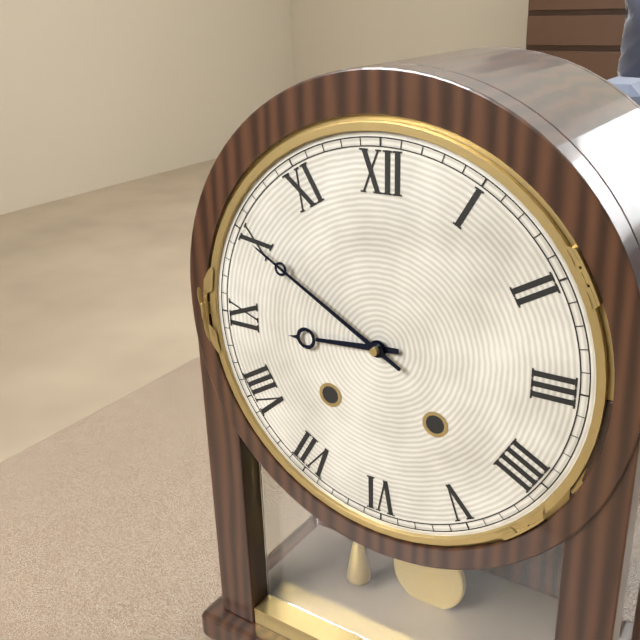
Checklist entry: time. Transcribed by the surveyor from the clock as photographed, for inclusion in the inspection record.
8:50
